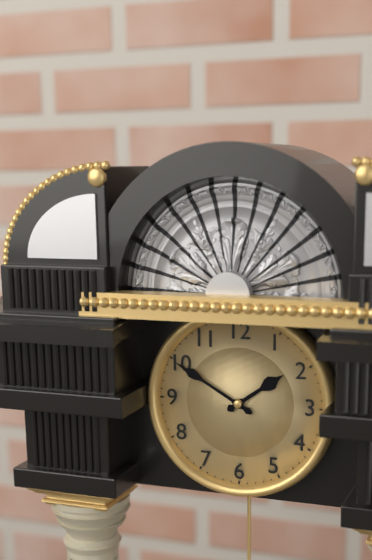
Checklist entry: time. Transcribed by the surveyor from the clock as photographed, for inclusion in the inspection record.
1:50
